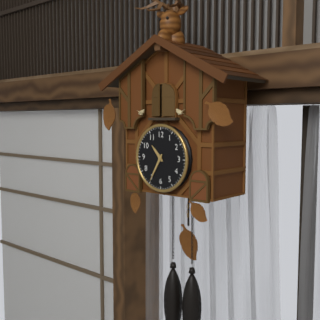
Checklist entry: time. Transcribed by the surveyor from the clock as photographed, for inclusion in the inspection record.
10:35
